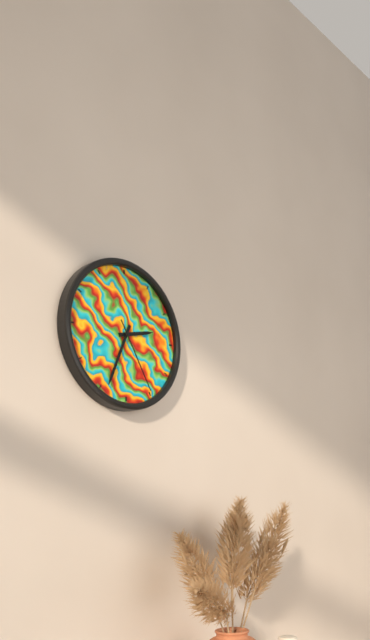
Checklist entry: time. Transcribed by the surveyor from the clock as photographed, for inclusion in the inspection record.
2:34:25
